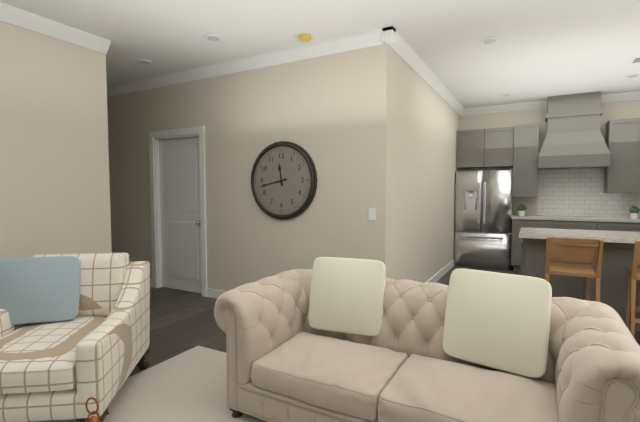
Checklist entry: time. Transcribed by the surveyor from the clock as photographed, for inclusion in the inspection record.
11:43
